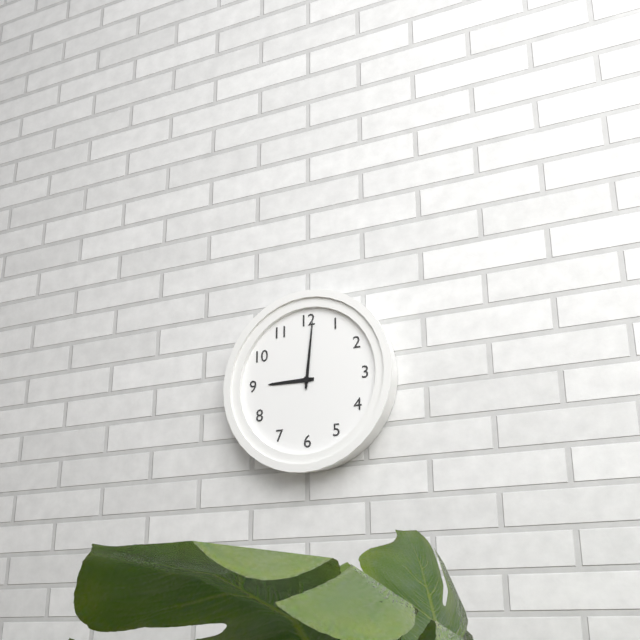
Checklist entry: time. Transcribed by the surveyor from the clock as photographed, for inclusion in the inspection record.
9:01
